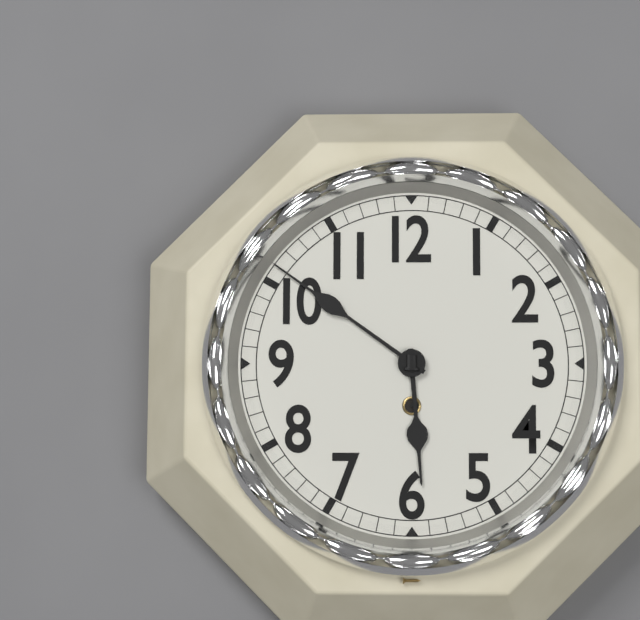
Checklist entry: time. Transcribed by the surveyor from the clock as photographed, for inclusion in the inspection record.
5:51
